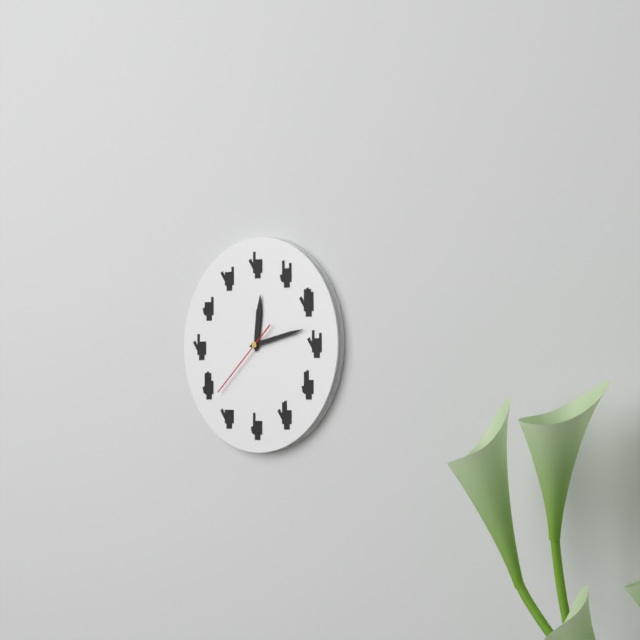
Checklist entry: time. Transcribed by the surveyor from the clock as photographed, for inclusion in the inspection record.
12:13:38
